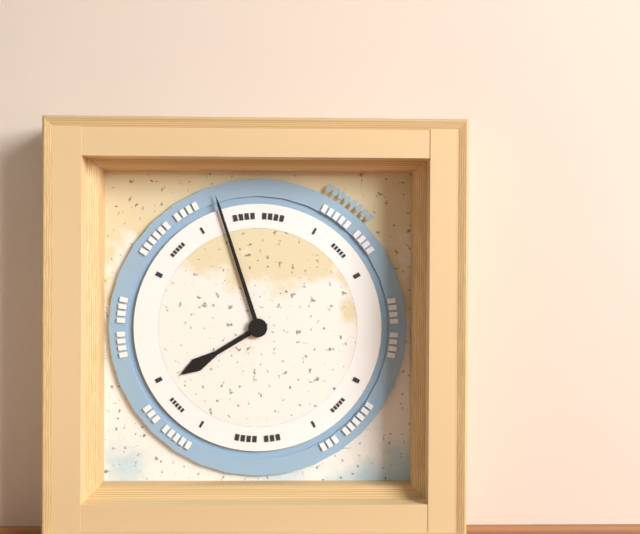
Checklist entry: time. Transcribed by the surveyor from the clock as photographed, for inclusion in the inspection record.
7:57
